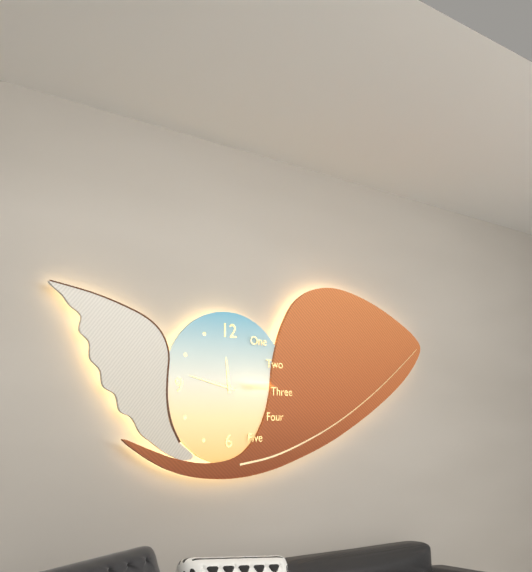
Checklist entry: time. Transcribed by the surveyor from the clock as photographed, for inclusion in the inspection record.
11:47
